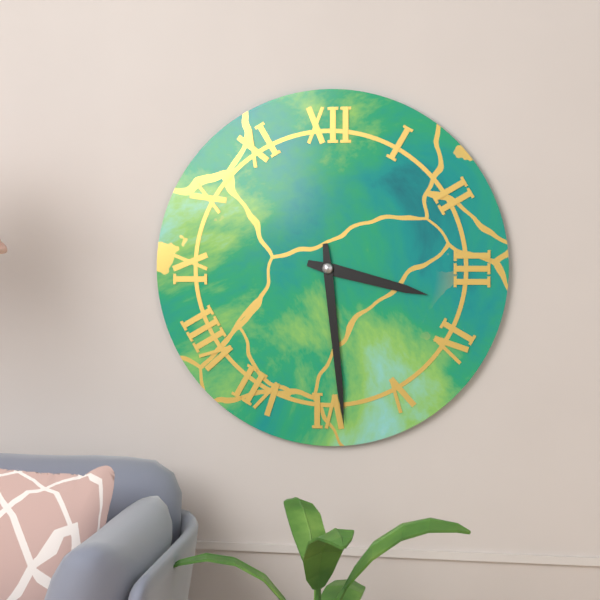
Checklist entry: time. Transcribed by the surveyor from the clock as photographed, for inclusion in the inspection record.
3:29
